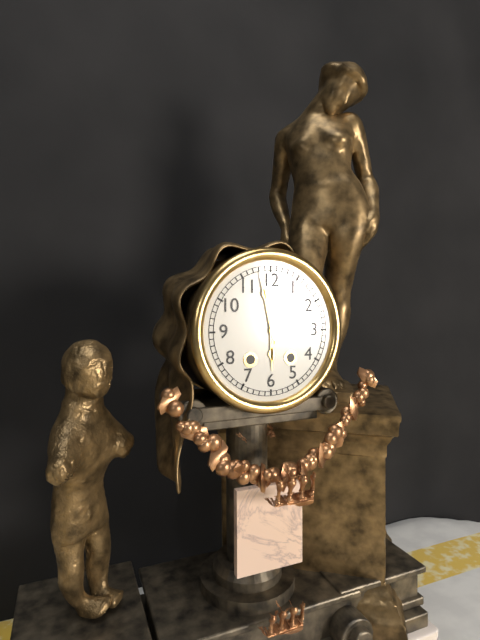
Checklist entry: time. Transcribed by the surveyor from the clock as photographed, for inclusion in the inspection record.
5:58
